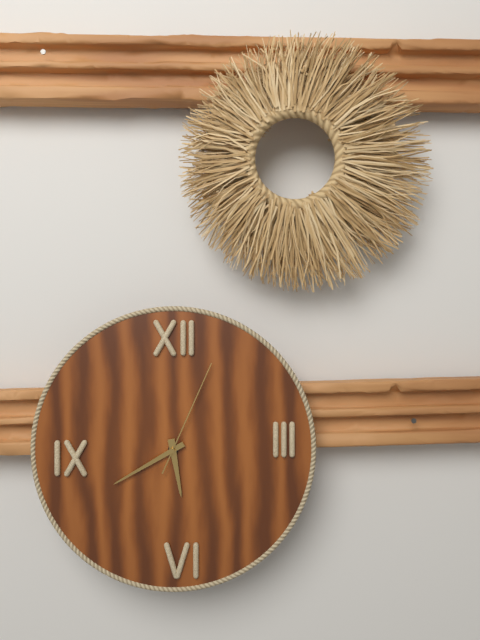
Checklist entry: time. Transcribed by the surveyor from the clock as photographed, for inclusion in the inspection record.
5:40:04
